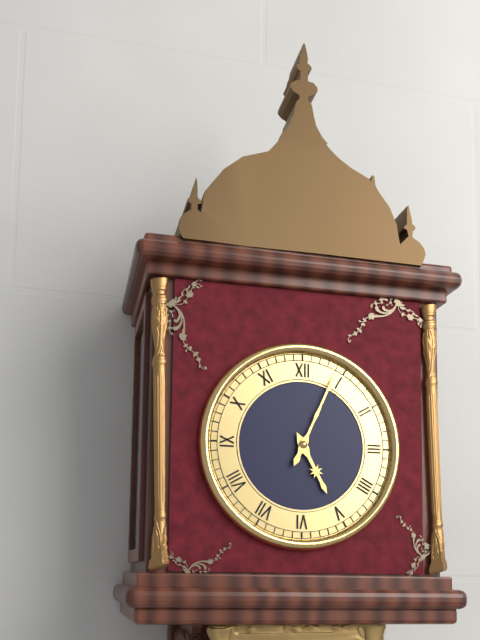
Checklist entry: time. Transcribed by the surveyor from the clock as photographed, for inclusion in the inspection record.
5:04
